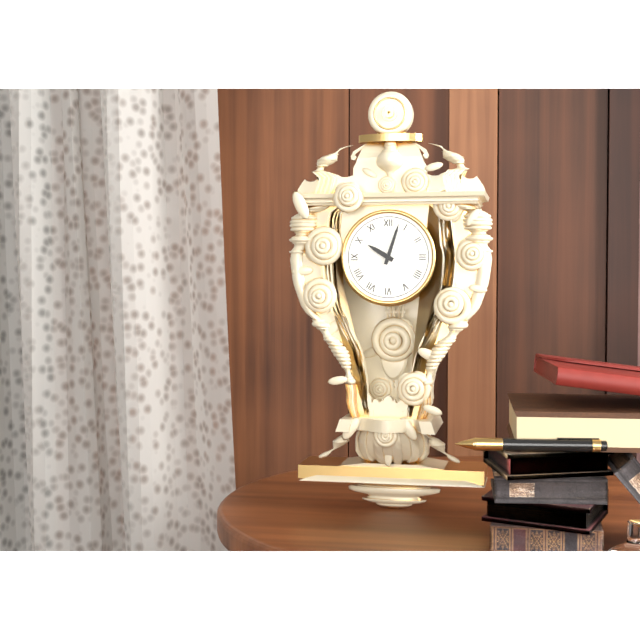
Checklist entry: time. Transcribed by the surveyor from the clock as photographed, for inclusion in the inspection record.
10:03
